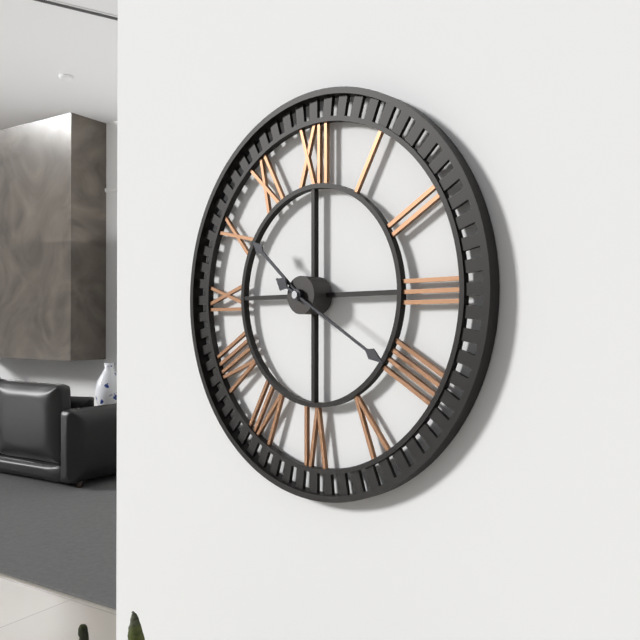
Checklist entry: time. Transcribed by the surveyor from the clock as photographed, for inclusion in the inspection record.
10:20
